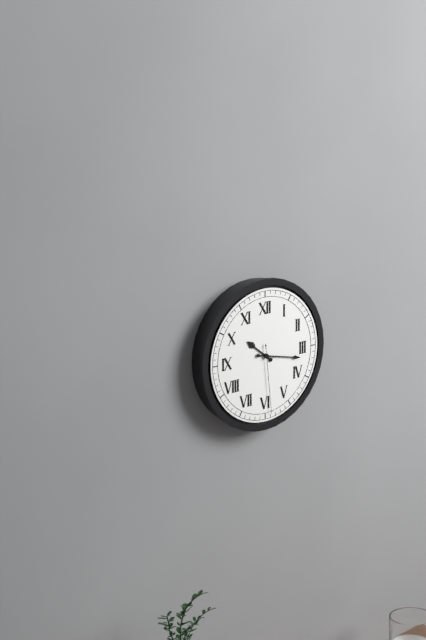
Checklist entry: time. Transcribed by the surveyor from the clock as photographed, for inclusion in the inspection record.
10:17:29
